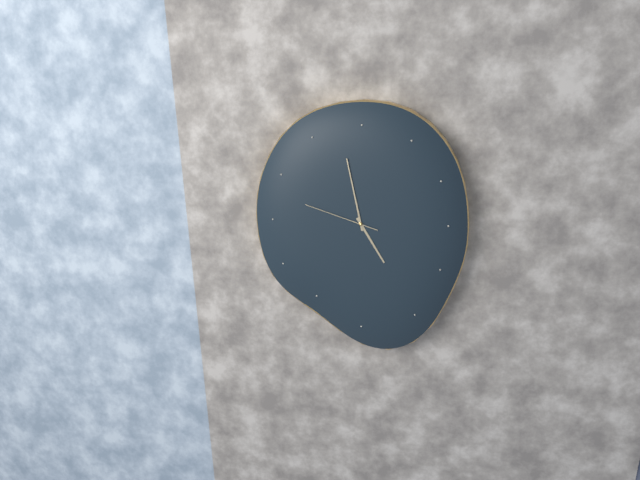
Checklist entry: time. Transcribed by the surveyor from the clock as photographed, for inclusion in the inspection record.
4:58:48
